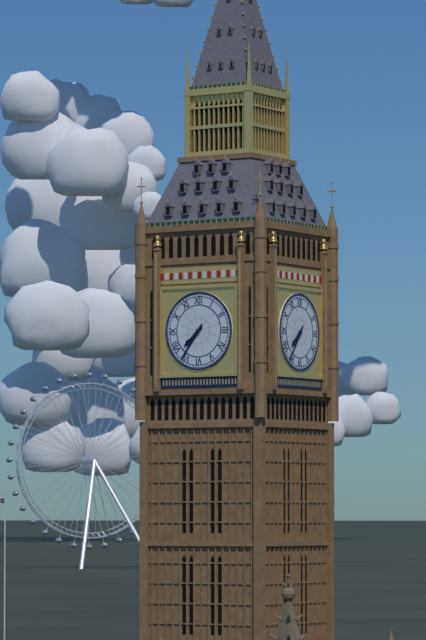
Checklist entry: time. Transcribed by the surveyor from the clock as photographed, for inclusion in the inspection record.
7:36
